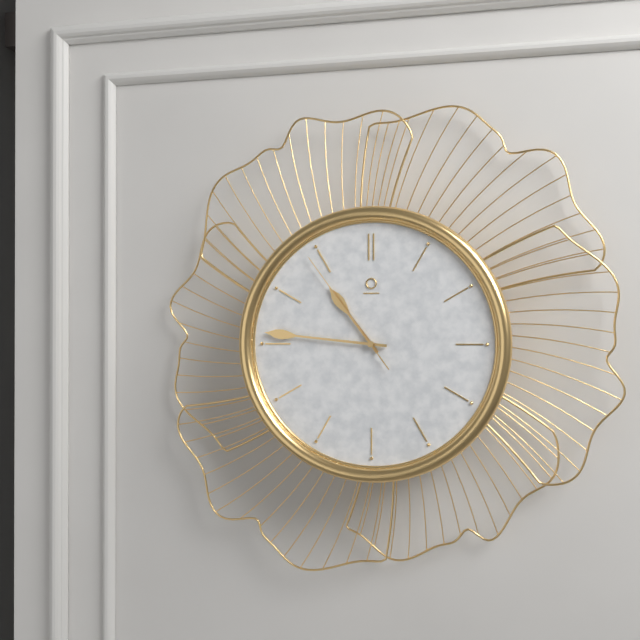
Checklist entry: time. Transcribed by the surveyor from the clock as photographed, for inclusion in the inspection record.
10:46:54
